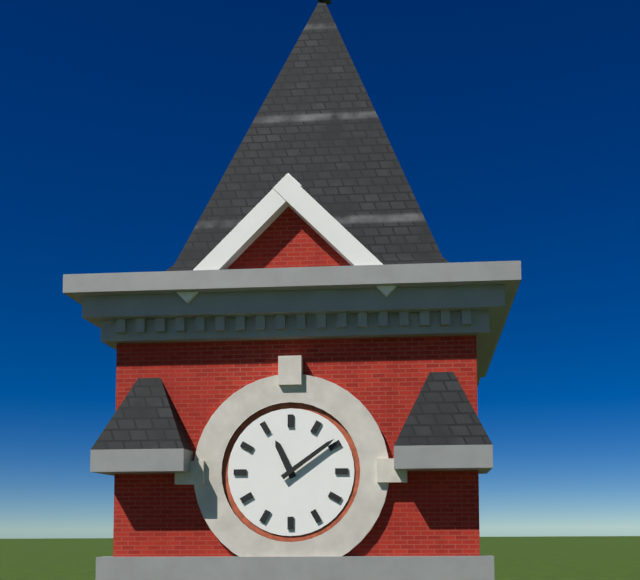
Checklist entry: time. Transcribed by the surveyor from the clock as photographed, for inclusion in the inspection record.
11:09
